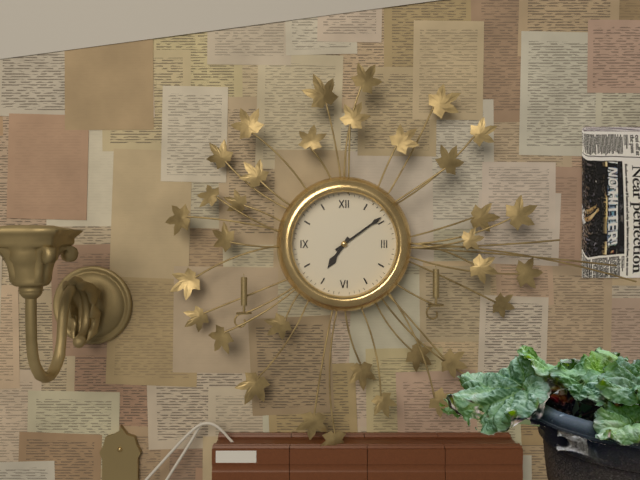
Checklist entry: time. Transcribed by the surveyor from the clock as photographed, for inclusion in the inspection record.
7:09
